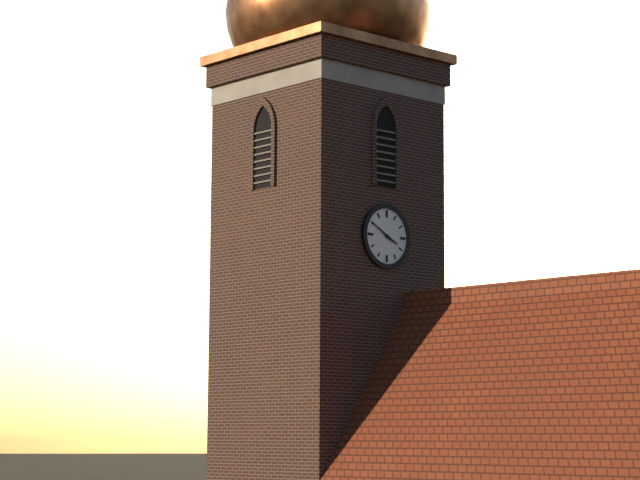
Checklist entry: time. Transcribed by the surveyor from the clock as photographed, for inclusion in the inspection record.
3:50
